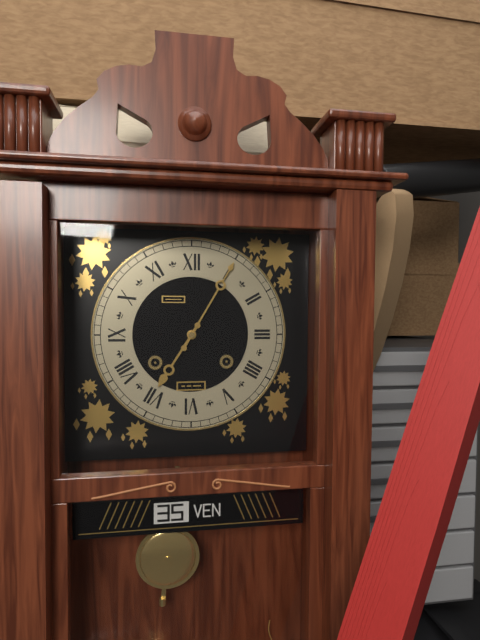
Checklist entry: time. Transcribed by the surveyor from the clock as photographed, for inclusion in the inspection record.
7:05
